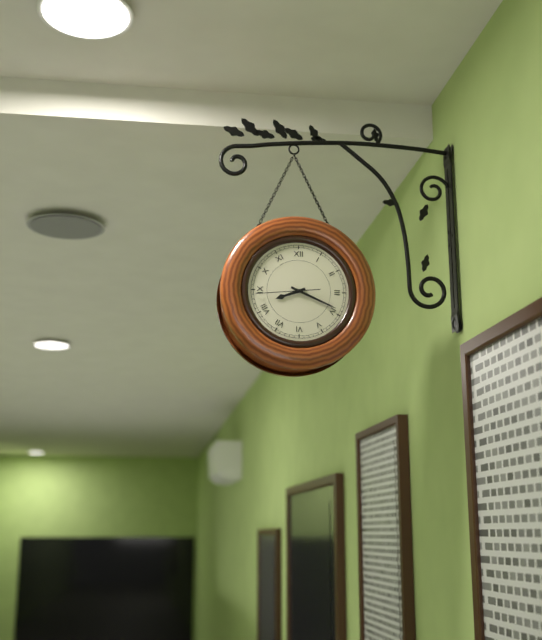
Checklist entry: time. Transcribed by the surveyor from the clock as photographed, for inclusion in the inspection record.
8:19
